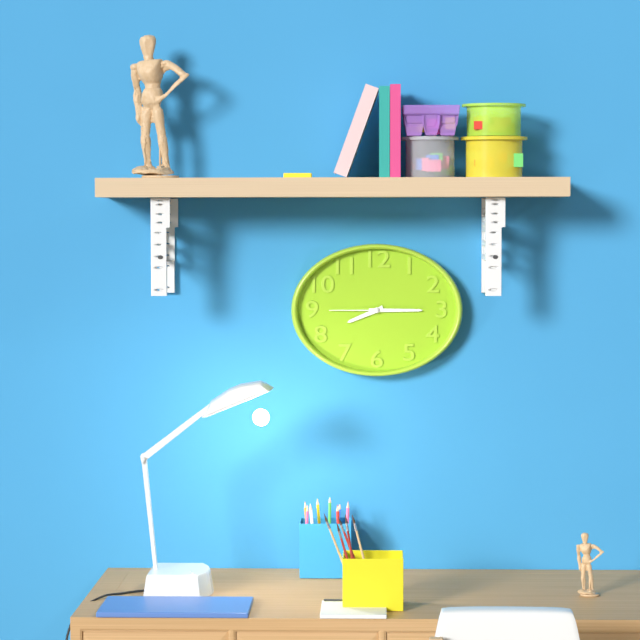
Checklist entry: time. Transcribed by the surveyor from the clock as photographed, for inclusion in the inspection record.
8:15:45
